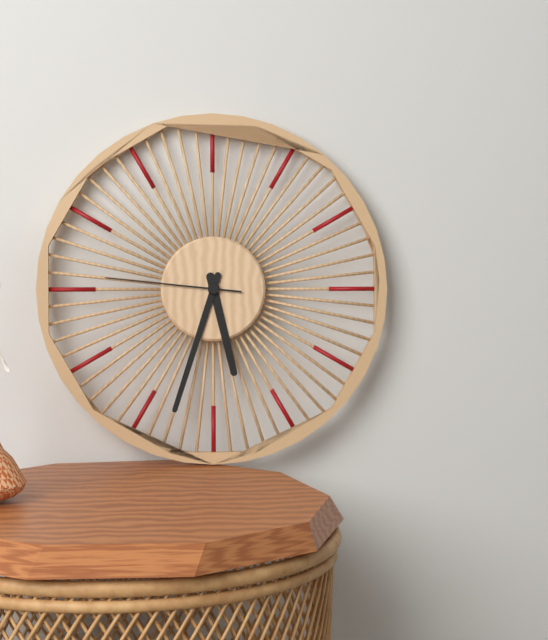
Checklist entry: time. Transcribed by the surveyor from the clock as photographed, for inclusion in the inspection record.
5:33:46
